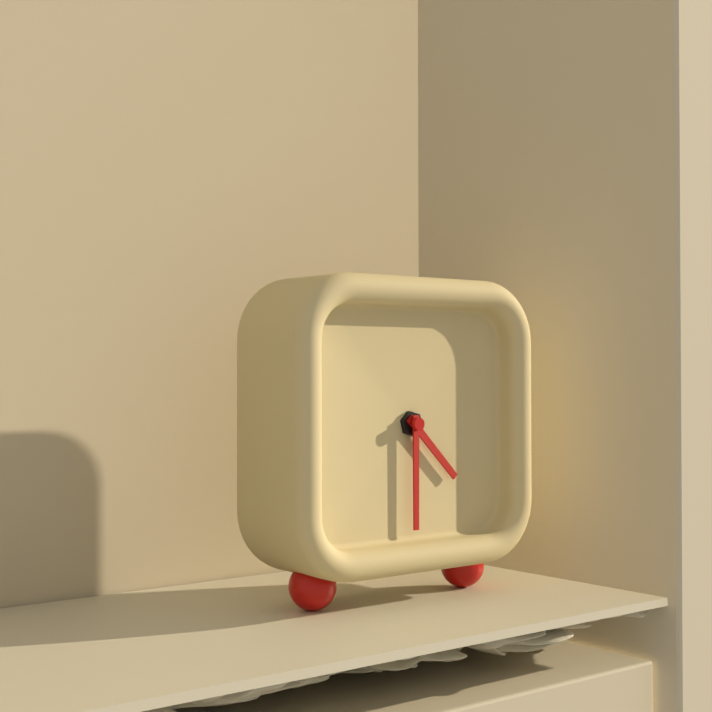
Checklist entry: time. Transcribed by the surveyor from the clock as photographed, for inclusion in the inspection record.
4:30
